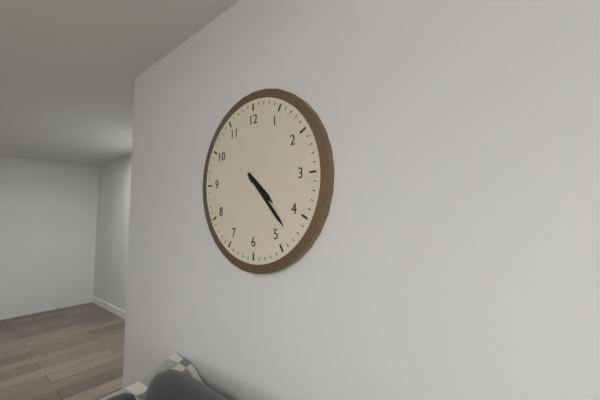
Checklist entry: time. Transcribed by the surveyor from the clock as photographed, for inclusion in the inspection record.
4:23
